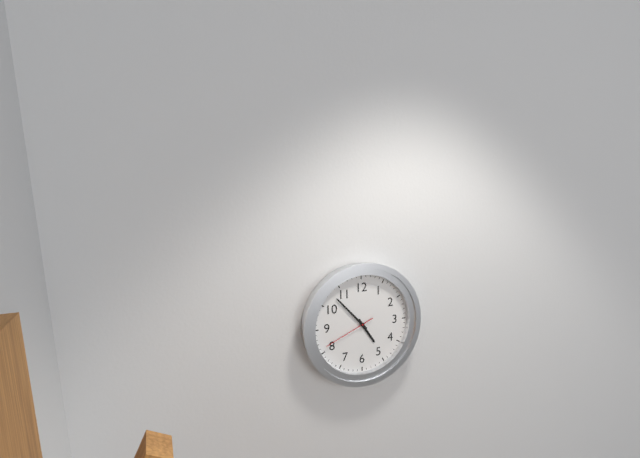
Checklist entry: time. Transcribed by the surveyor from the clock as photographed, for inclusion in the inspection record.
4:53:41
